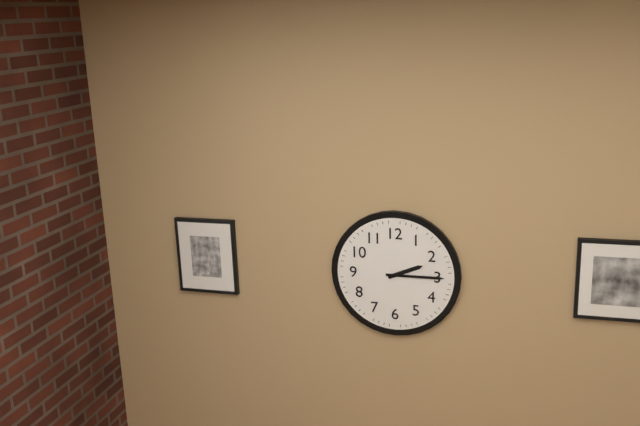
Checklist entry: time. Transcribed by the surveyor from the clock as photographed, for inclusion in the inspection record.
2:15
